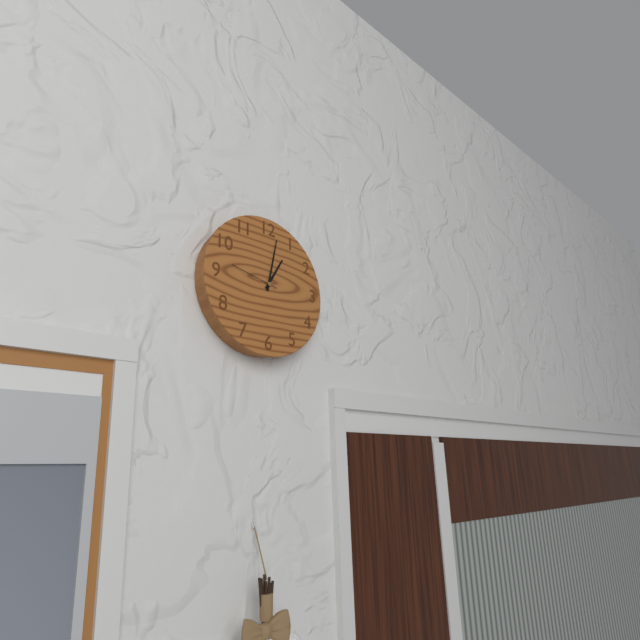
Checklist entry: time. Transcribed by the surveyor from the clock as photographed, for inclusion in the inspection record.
1:02:47
